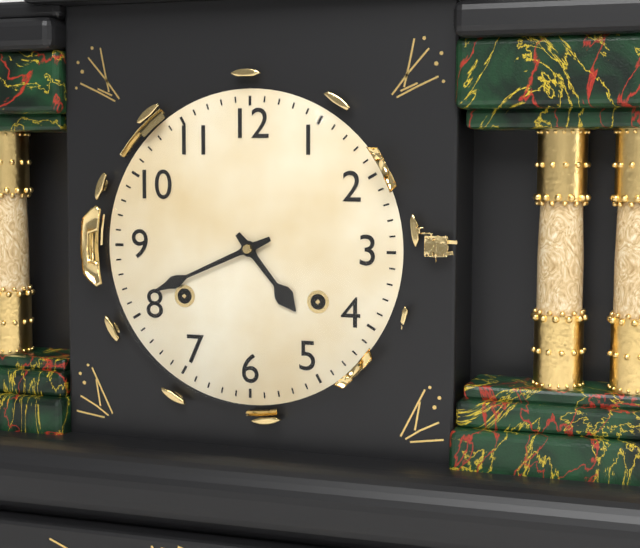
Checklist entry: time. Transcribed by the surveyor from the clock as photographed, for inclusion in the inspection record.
4:41
